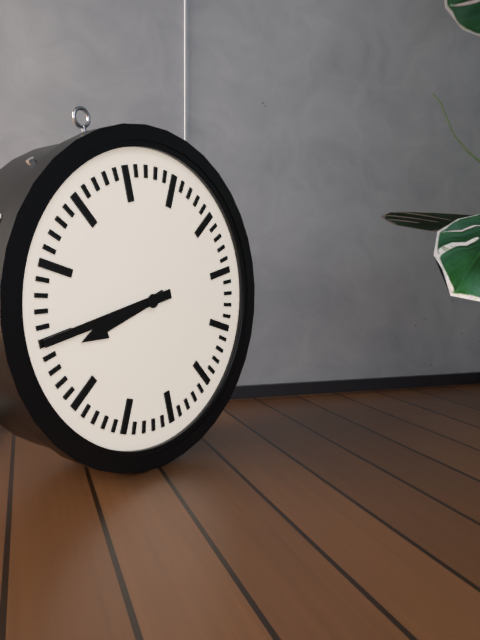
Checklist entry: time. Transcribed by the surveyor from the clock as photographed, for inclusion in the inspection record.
8:45
